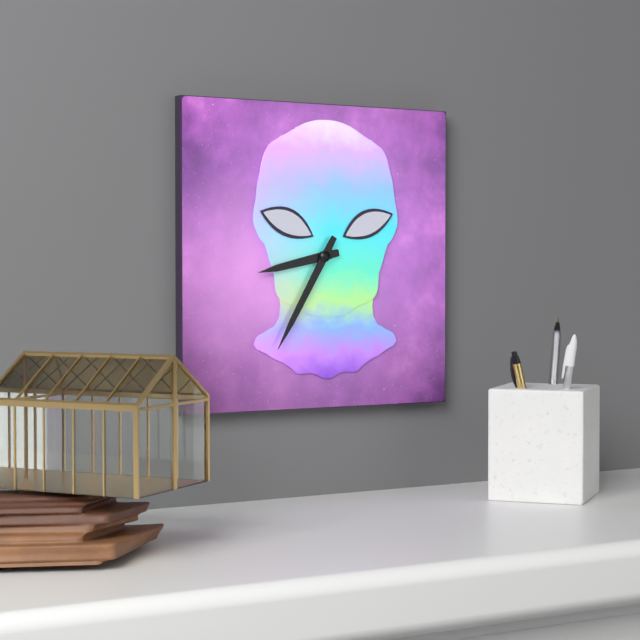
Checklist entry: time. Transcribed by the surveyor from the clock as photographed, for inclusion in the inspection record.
8:35
